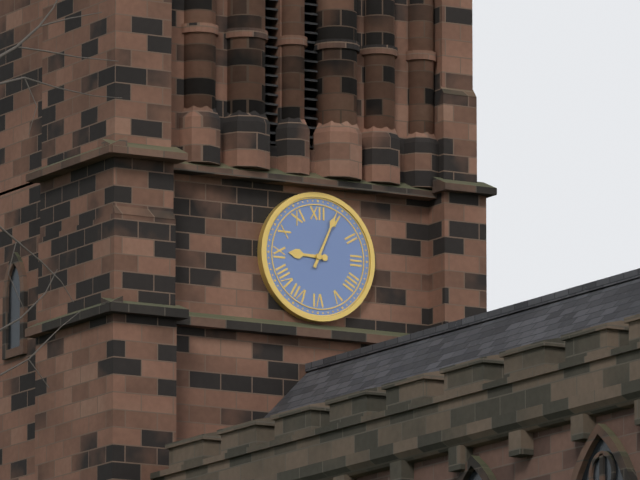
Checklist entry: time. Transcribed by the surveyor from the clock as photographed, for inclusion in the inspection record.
9:04
